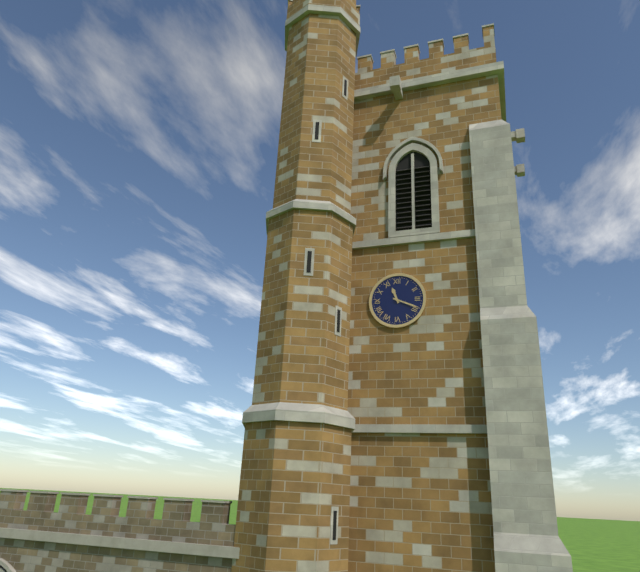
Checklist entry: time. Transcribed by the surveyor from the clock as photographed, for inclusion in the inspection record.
11:19
